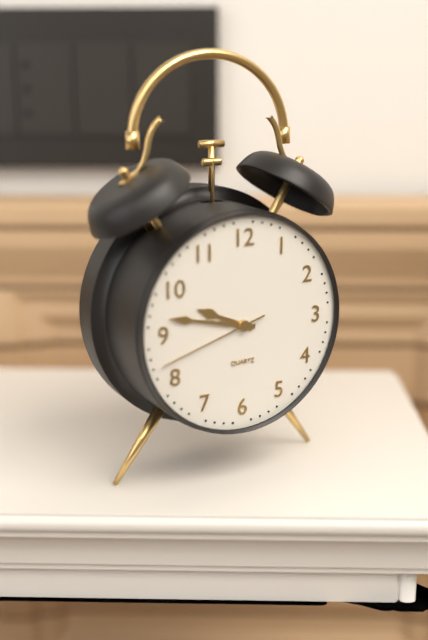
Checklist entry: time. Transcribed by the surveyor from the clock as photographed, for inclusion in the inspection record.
9:47:42
